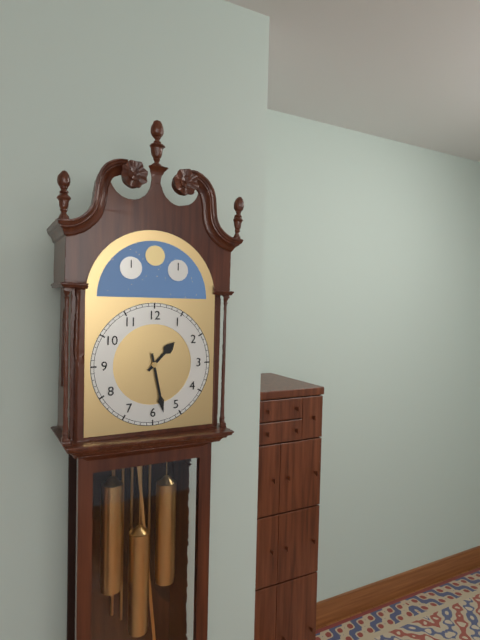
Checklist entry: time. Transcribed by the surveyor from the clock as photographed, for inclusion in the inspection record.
1:28
